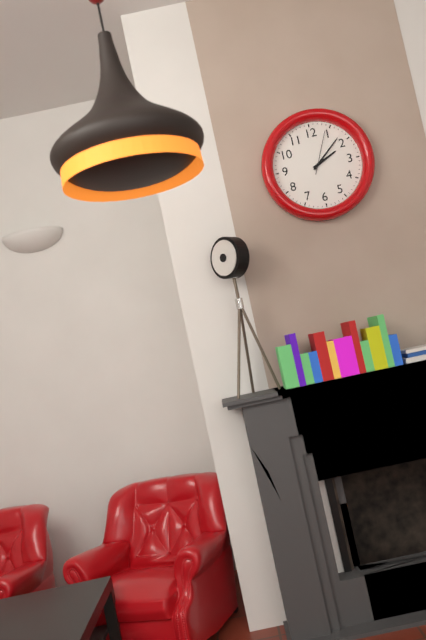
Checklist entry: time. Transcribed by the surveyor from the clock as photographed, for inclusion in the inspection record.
2:08
